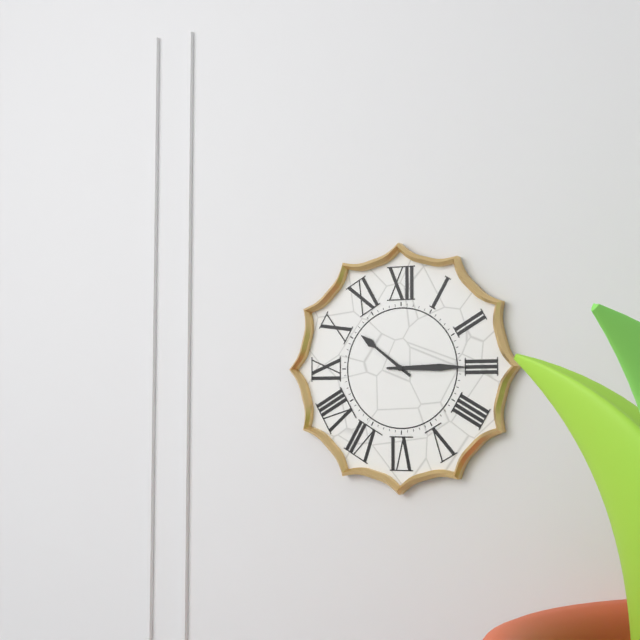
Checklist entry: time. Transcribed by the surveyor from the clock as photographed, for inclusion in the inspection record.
10:15
